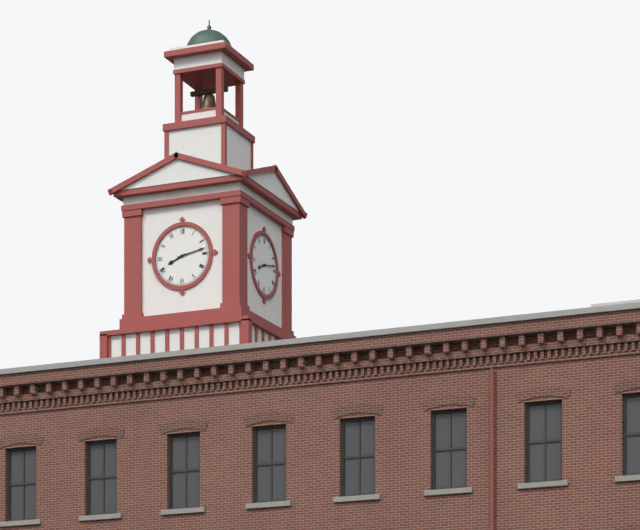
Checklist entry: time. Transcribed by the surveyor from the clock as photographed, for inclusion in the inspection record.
8:13
